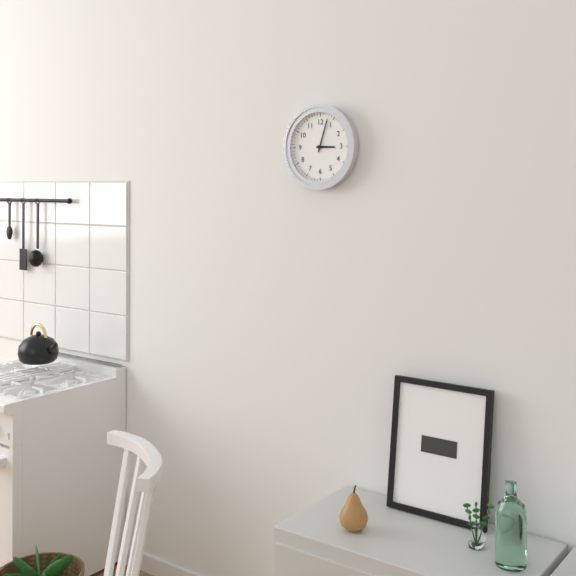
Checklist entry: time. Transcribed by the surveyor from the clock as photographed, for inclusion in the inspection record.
3:03
